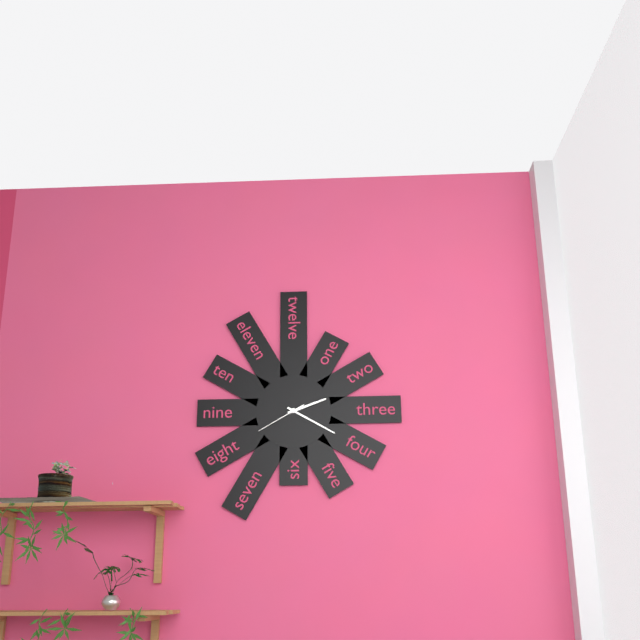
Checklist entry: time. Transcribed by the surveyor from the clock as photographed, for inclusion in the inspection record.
2:20:40
